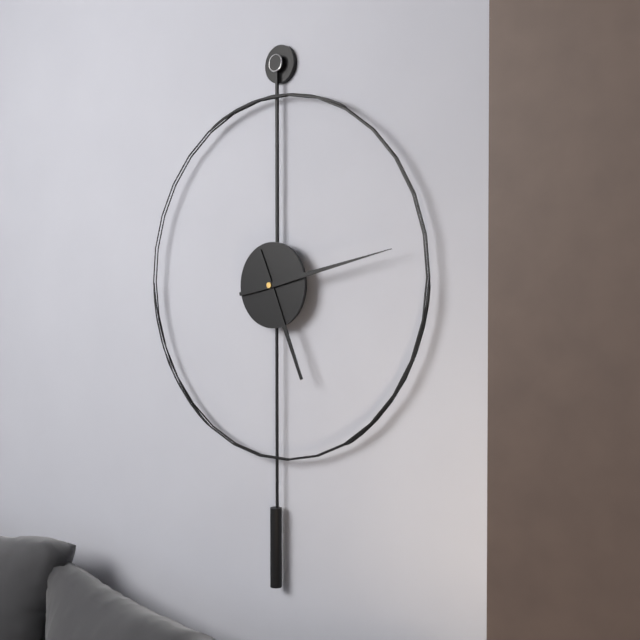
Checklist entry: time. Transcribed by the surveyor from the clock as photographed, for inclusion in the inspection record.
5:13
